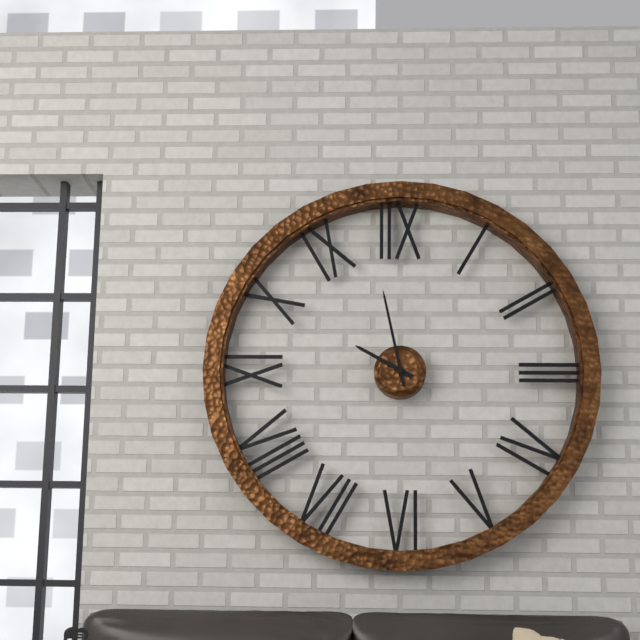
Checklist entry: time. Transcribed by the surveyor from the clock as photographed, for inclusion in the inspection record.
9:58
